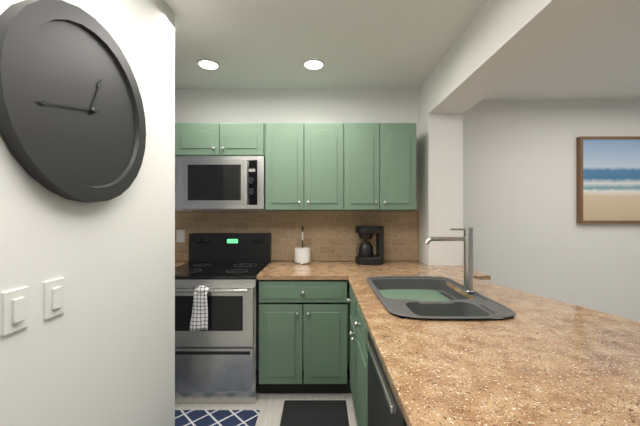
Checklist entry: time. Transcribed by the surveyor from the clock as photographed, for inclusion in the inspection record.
12:43
